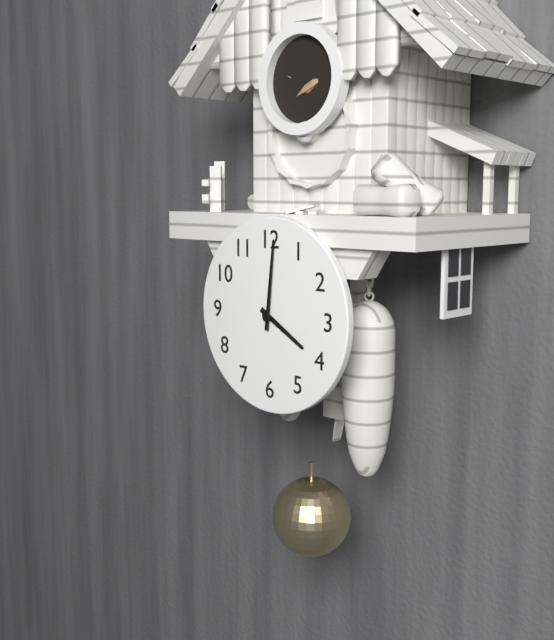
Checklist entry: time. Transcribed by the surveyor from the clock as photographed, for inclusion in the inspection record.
4:01
